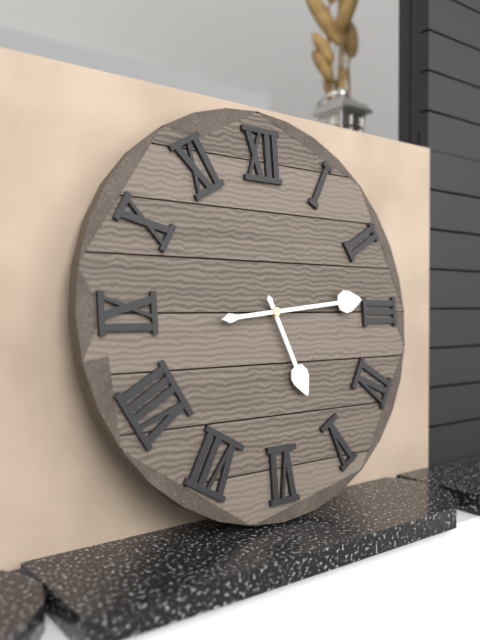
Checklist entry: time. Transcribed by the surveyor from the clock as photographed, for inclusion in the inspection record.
5:14
